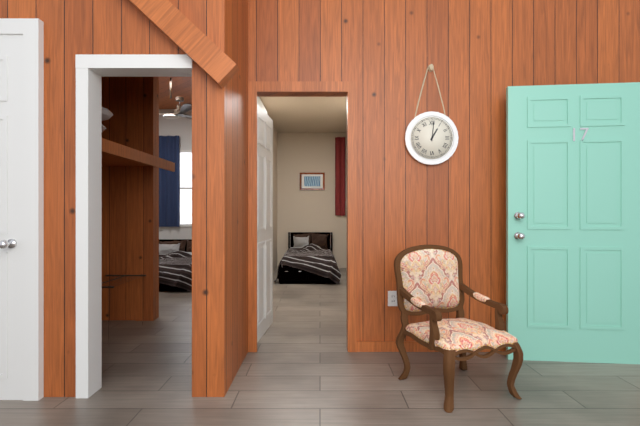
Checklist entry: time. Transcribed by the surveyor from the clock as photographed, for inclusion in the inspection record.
1:01
